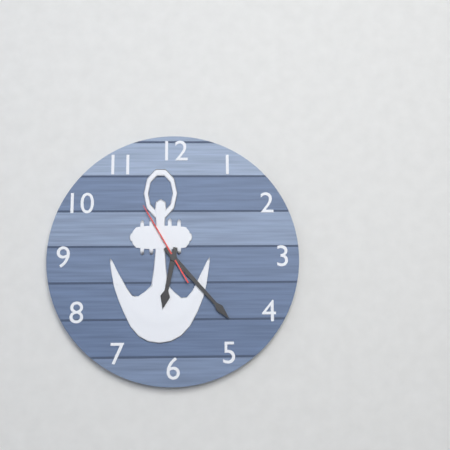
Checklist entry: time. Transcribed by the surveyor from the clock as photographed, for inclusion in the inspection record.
6:23:55
